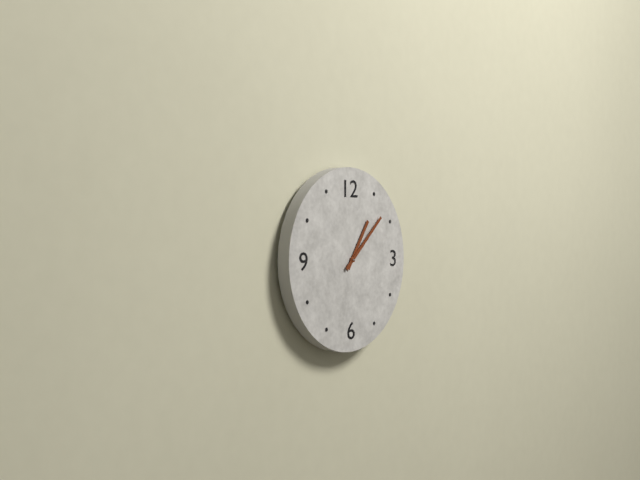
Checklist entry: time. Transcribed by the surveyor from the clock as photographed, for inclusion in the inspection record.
1:08
